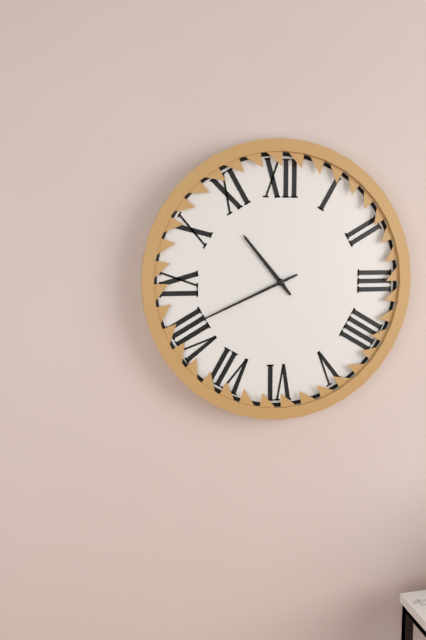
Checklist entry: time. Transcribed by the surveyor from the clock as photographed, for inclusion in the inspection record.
10:41
